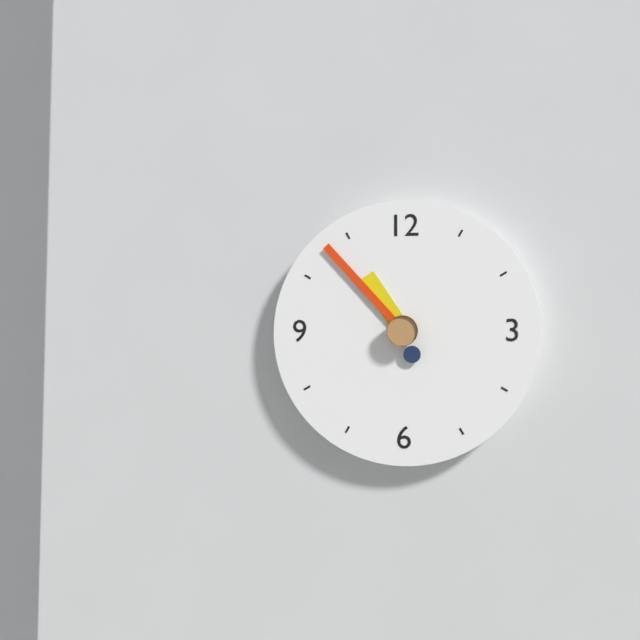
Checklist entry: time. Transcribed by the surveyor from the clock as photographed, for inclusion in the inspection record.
10:53
